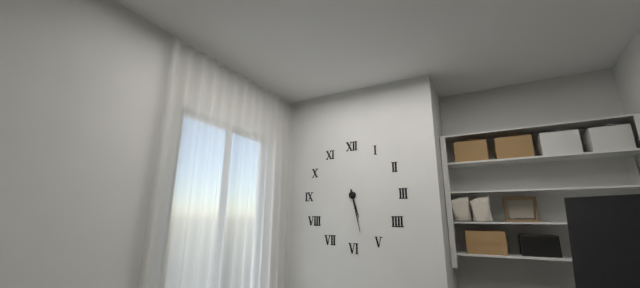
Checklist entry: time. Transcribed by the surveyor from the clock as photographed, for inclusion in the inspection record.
5:28
